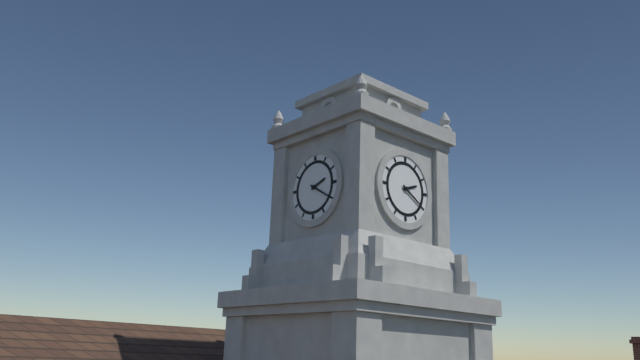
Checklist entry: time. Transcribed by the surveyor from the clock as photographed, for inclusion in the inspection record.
2:20
